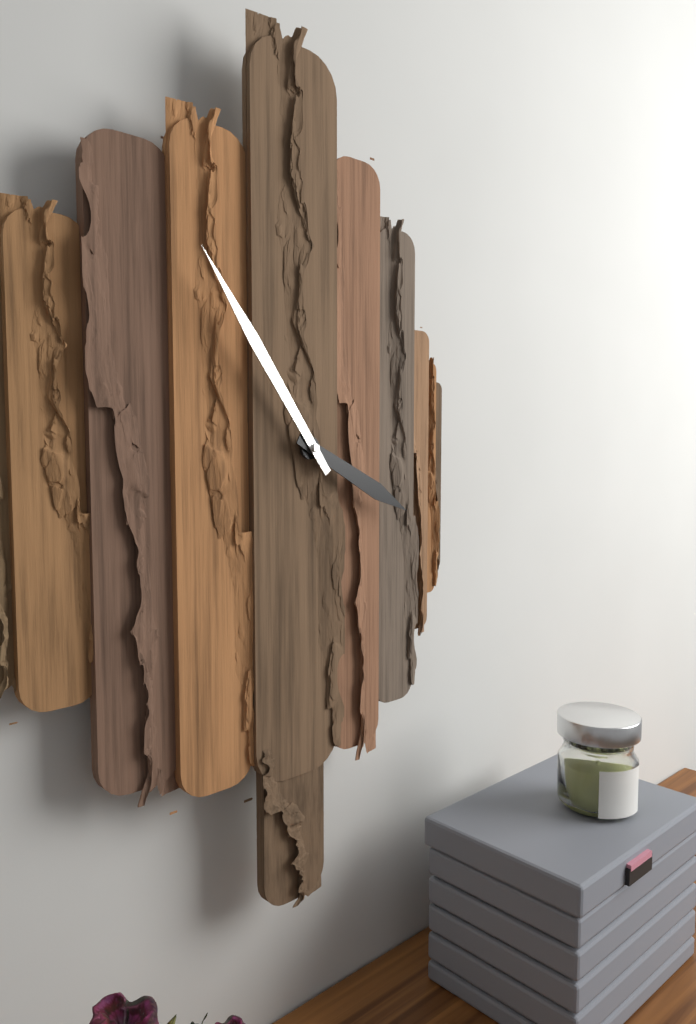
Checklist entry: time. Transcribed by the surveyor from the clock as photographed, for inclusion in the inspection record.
3:54
